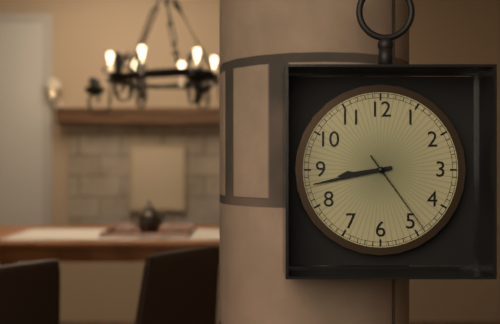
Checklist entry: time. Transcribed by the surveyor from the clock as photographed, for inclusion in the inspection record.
8:43:24
